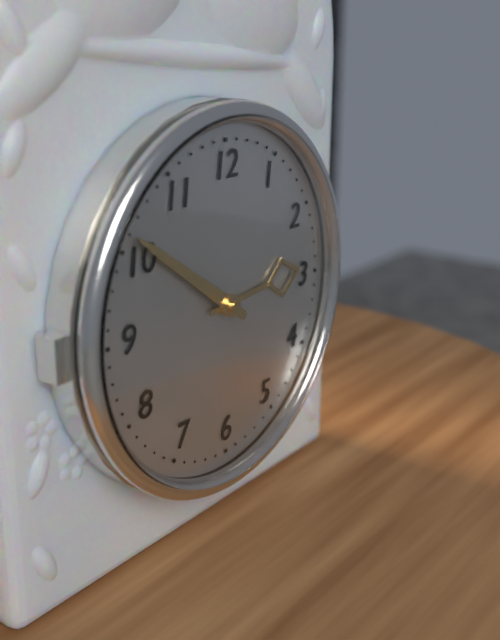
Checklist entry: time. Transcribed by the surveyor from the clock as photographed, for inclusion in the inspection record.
2:51
